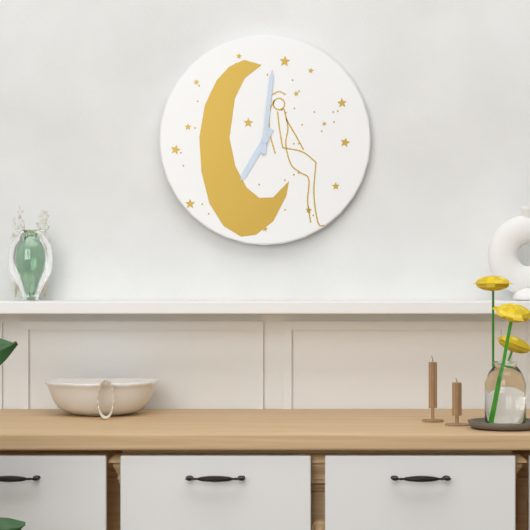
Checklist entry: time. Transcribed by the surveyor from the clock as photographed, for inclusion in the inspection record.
7:01
